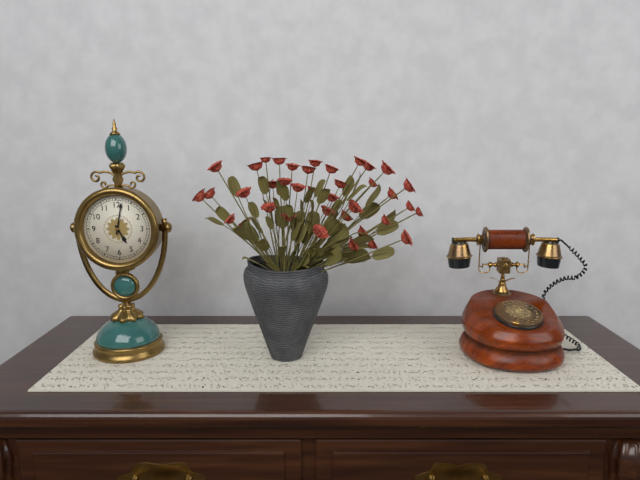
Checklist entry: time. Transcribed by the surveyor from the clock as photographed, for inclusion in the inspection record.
5:02
